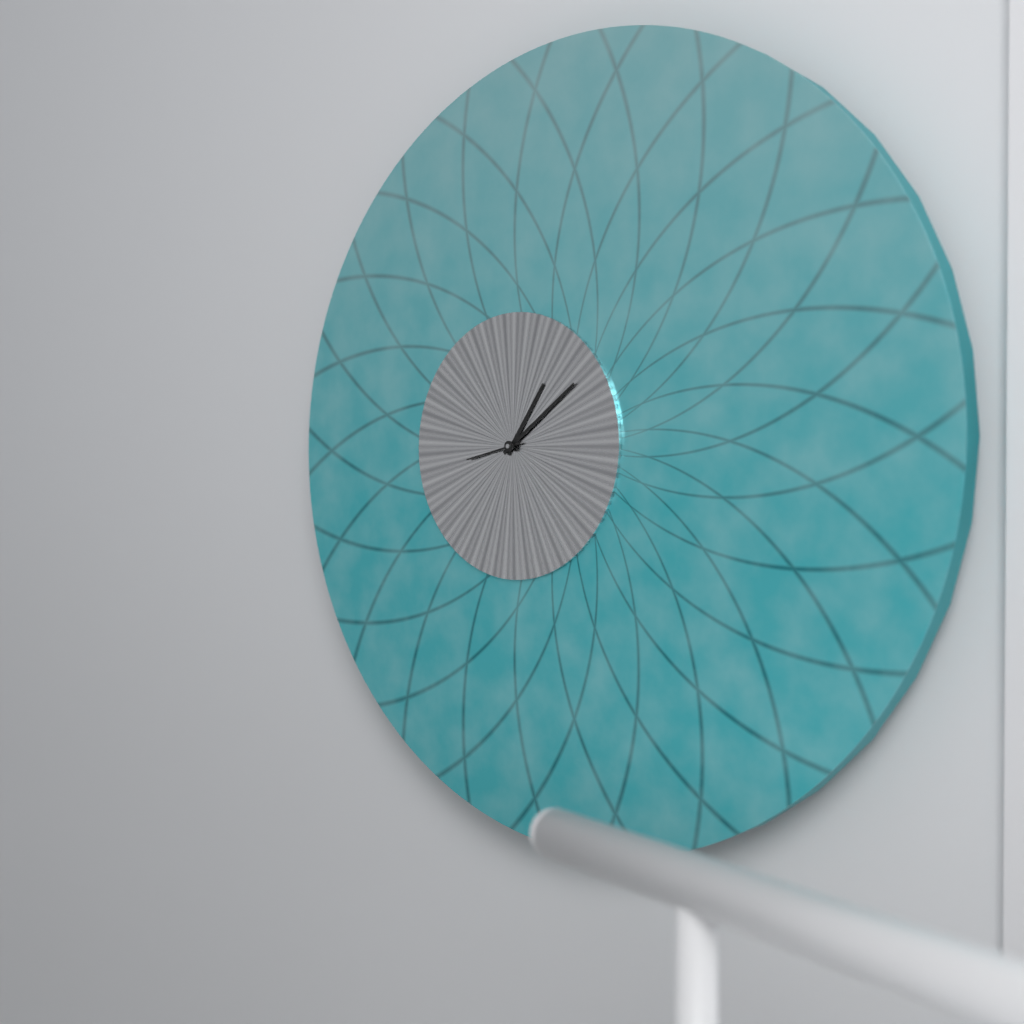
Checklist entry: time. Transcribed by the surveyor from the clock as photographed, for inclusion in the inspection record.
1:09:43
